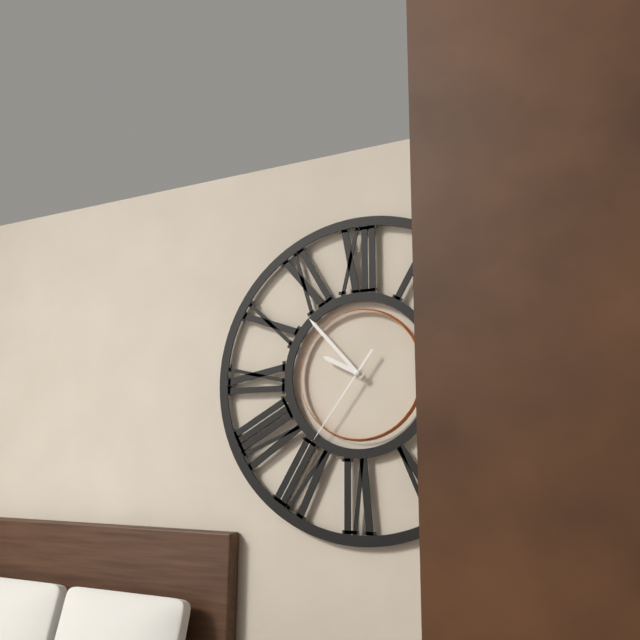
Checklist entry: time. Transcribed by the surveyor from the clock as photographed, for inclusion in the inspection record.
9:53:36
